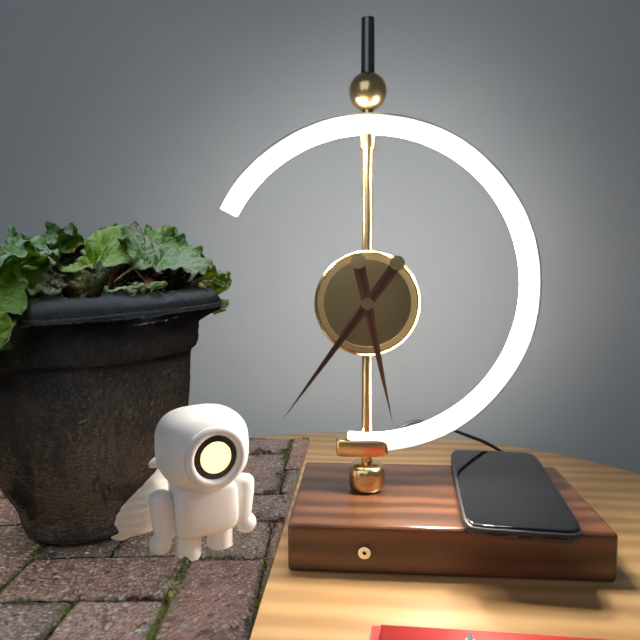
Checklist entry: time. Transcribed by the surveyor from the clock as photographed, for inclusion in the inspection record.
5:36
